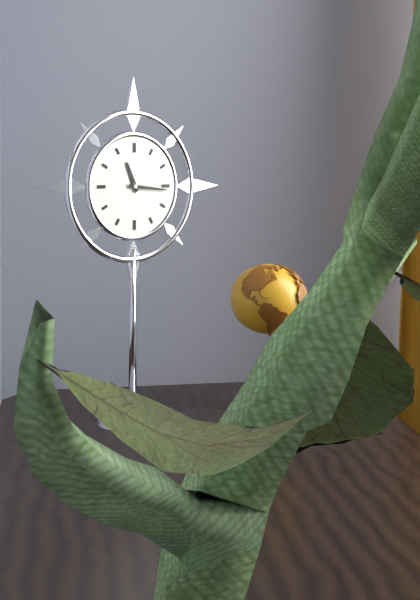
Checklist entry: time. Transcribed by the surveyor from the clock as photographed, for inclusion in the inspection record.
11:16
